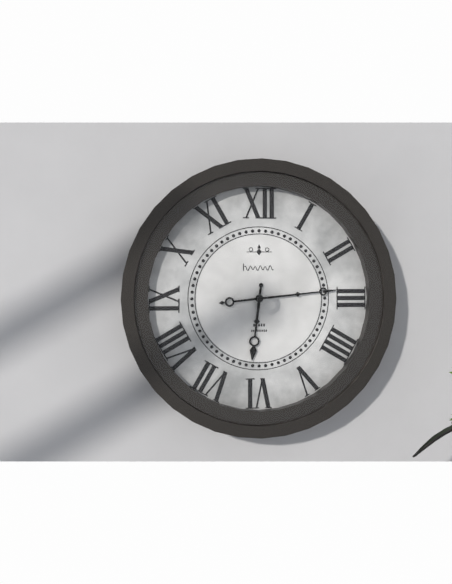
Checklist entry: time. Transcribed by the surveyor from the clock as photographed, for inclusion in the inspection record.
6:14
